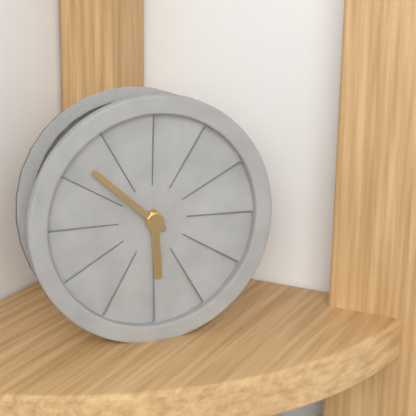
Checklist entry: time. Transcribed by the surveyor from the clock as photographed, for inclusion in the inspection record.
5:52
